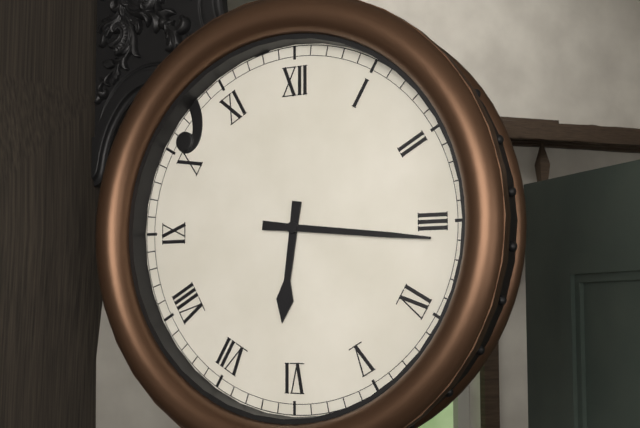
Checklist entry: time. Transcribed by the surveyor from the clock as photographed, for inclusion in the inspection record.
6:16
